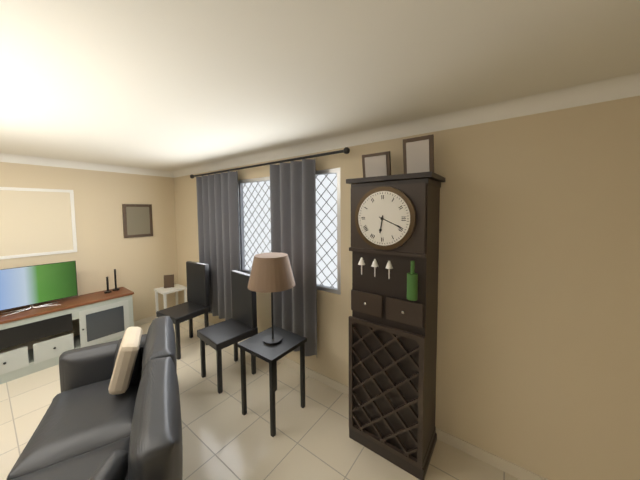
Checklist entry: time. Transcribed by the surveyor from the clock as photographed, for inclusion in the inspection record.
6:19
